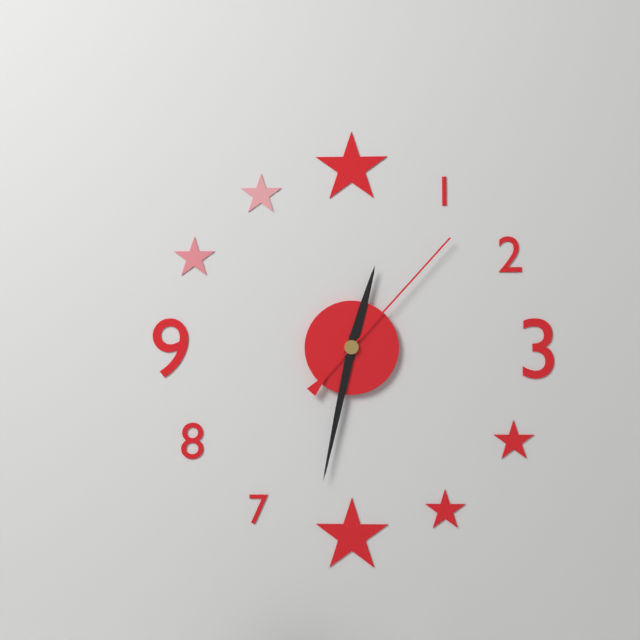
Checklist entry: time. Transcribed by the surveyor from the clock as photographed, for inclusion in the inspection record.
12:32:07
